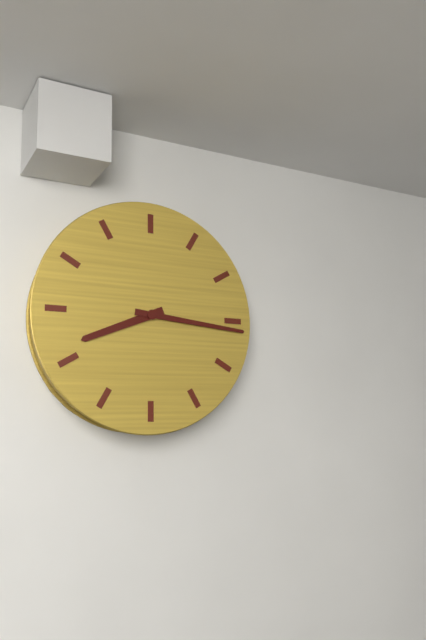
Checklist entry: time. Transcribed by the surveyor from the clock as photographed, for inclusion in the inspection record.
8:16
